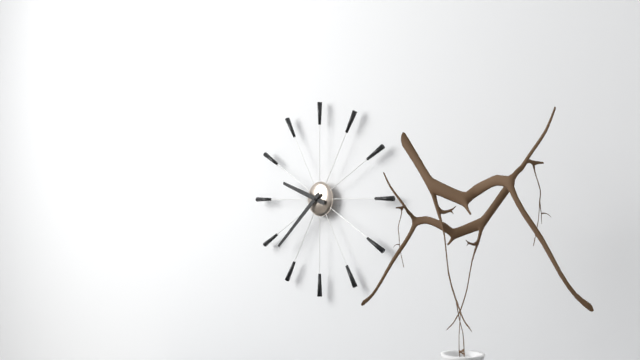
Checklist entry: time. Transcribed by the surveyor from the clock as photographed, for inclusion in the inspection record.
9:38
